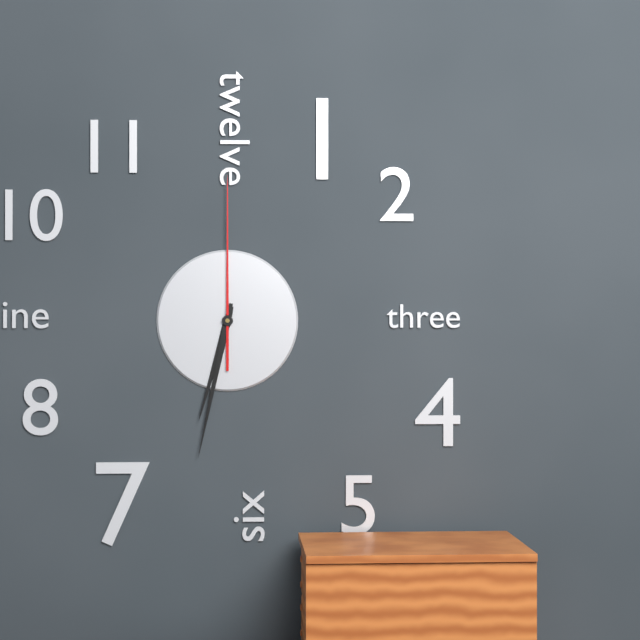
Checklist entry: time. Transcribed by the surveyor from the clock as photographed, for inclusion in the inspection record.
6:32:00
